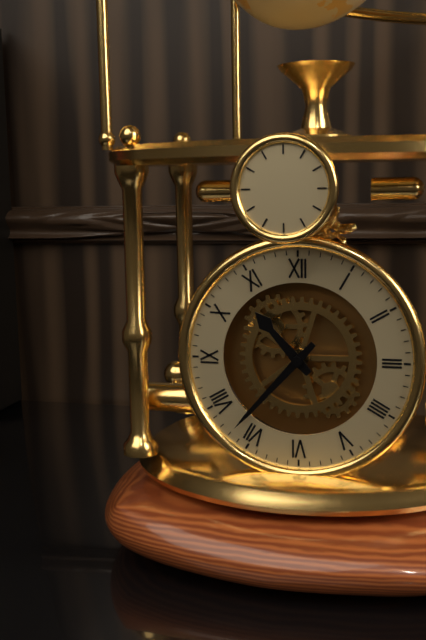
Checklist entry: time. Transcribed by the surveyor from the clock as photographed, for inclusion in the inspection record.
10:37
